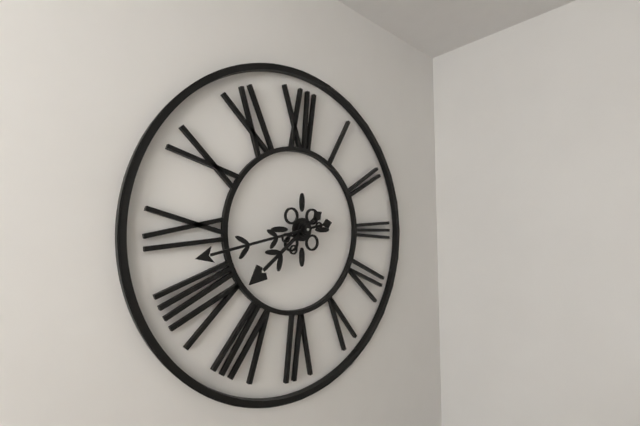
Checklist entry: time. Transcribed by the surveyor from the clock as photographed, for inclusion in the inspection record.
7:43
